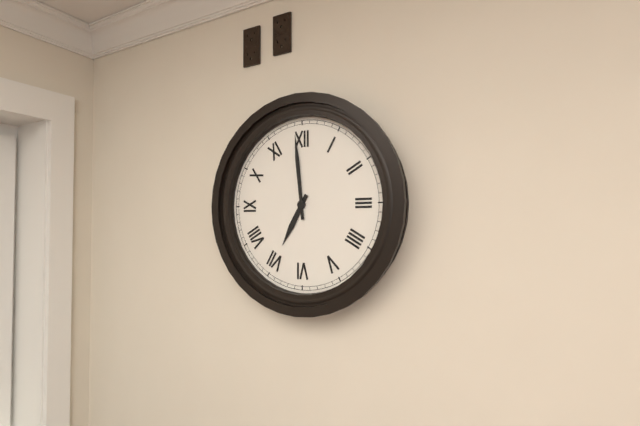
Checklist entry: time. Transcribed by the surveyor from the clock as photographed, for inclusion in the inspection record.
6:59
